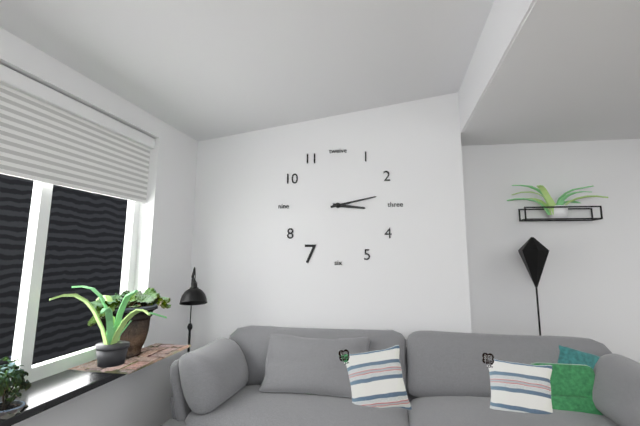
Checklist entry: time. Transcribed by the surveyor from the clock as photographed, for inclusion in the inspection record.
3:13
